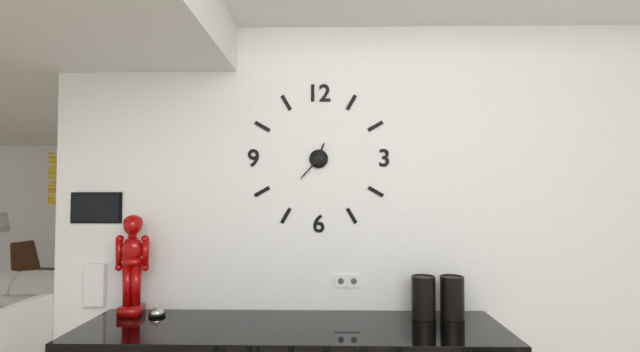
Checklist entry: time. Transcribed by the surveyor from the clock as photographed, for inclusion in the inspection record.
12:37
